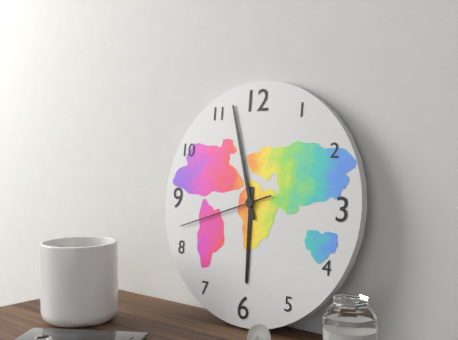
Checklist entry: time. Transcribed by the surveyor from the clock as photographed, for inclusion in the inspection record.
5:57:42
